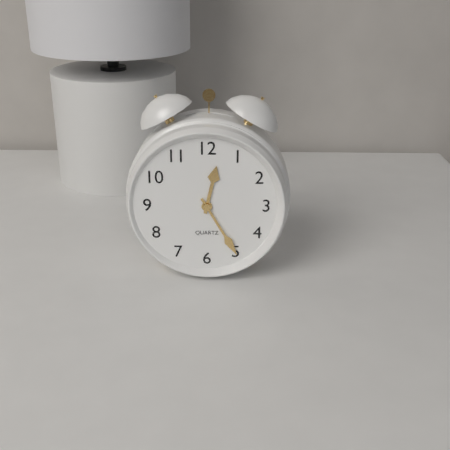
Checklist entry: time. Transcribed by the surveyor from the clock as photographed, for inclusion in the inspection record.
12:25
